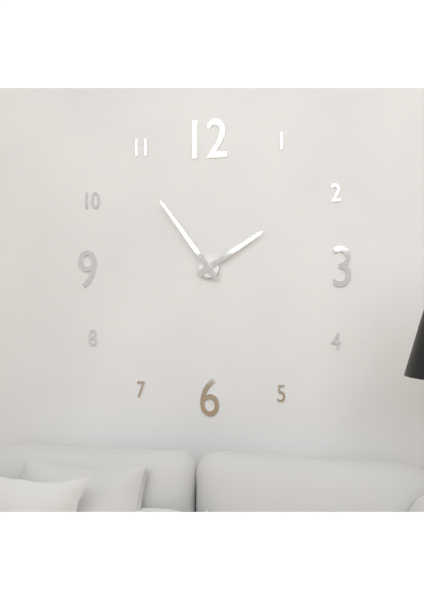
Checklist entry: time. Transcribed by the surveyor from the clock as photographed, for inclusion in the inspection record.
1:54
